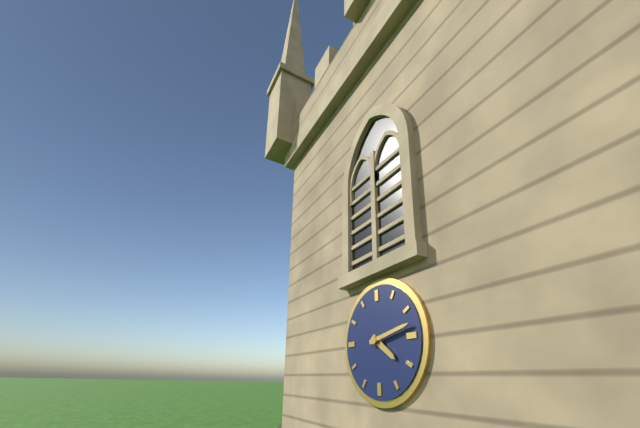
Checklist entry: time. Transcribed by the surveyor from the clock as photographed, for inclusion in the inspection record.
4:13
